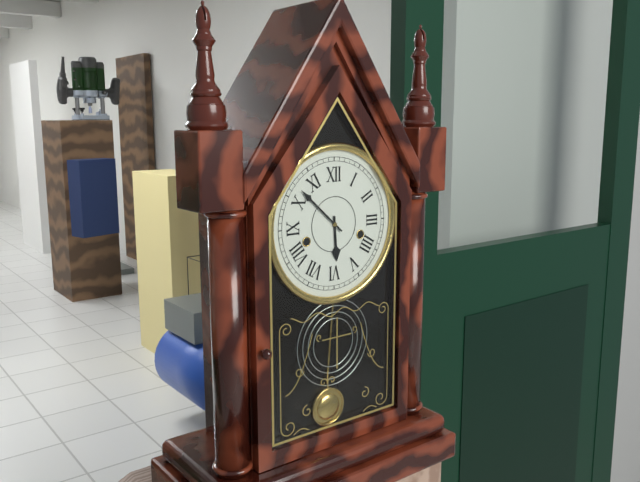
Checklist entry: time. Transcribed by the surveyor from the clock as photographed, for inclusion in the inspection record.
5:52
